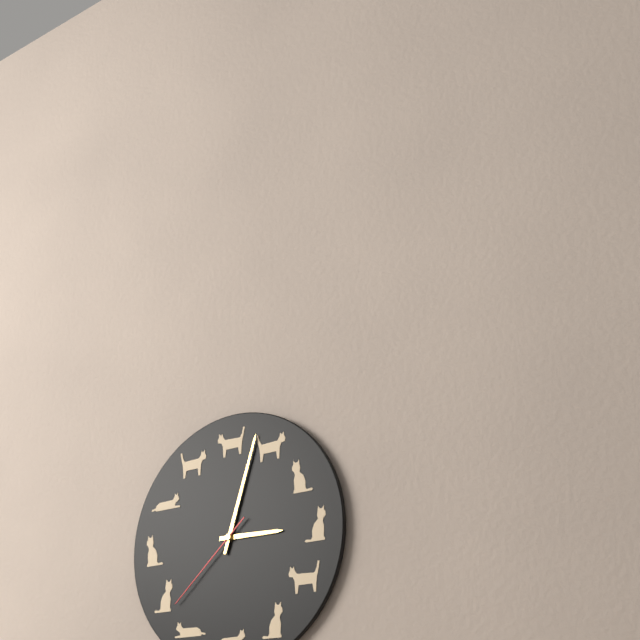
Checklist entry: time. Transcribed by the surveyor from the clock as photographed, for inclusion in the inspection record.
3:03:38
